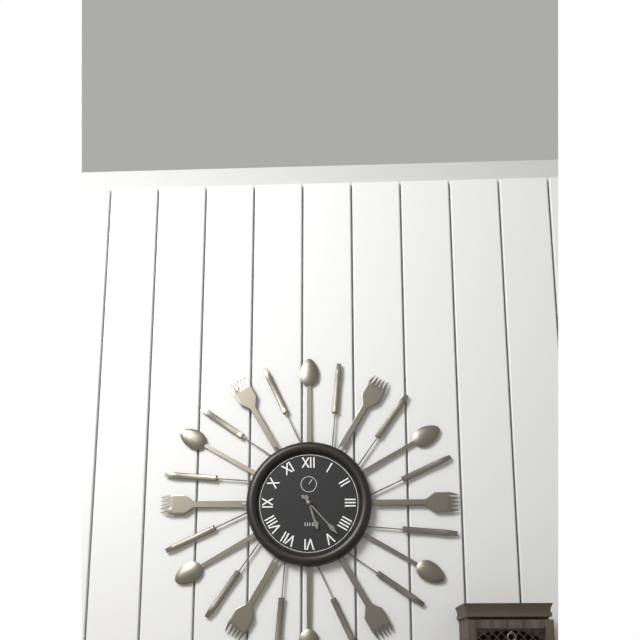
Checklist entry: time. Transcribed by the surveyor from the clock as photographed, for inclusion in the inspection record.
5:23
